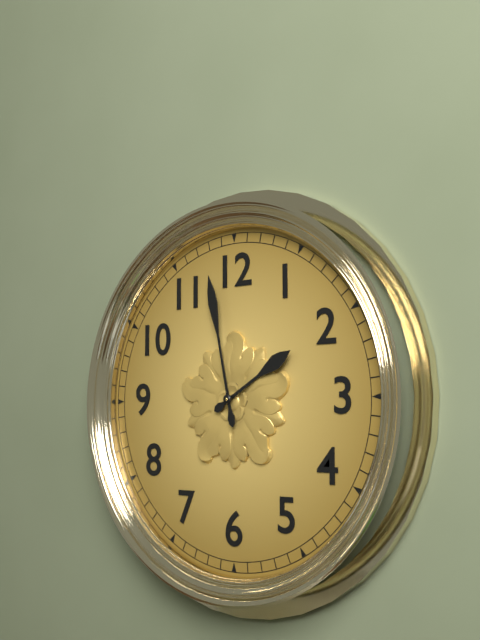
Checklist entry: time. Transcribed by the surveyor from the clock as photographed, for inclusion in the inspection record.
1:58
